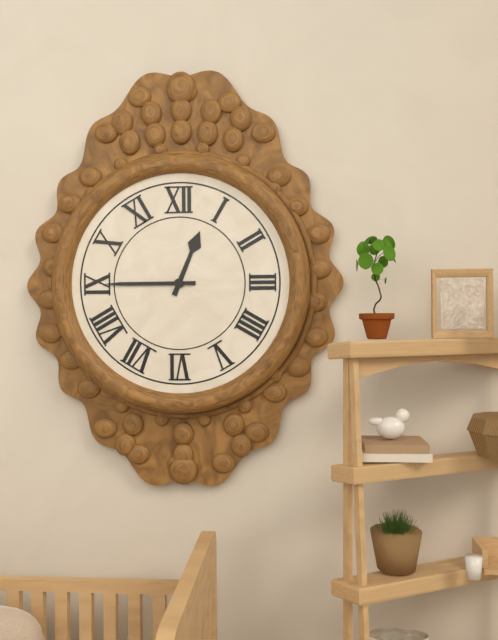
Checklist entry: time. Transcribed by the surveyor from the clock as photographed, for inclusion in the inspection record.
12:45
